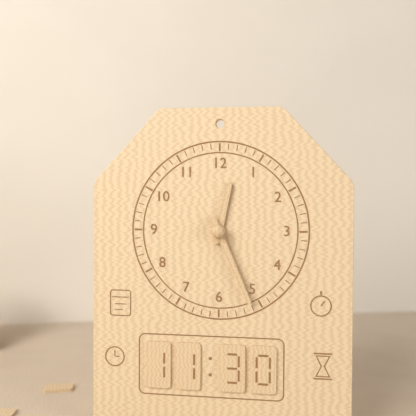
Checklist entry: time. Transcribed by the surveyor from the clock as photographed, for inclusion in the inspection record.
12:26
